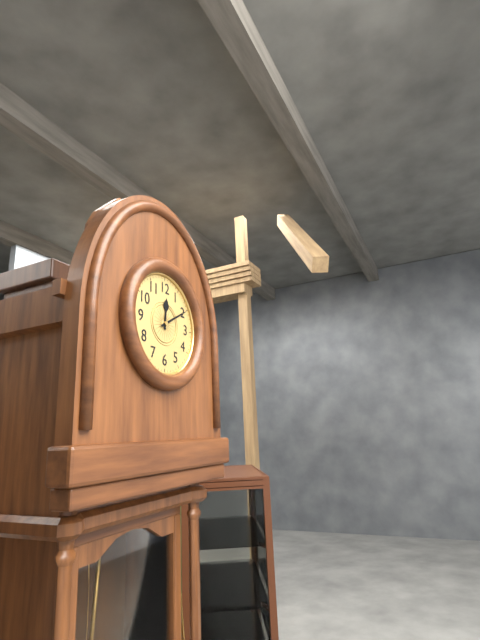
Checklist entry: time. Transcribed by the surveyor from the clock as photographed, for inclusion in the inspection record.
12:10
